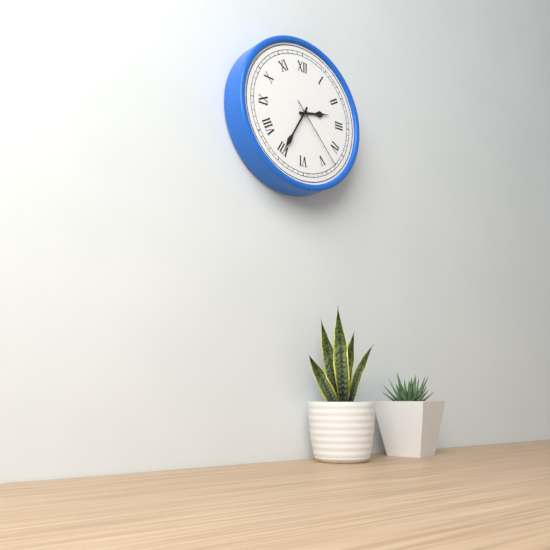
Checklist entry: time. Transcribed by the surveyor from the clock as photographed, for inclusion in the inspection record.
2:35:23
